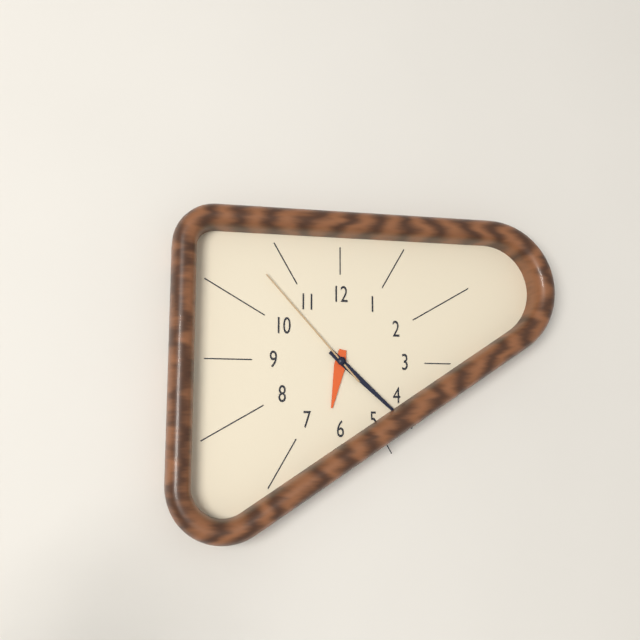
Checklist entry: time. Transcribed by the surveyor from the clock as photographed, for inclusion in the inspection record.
6:22:53
